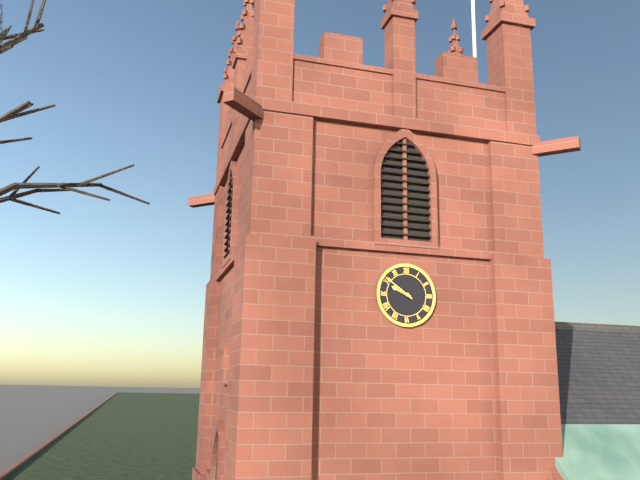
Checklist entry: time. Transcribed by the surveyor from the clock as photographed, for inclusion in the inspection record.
9:51
